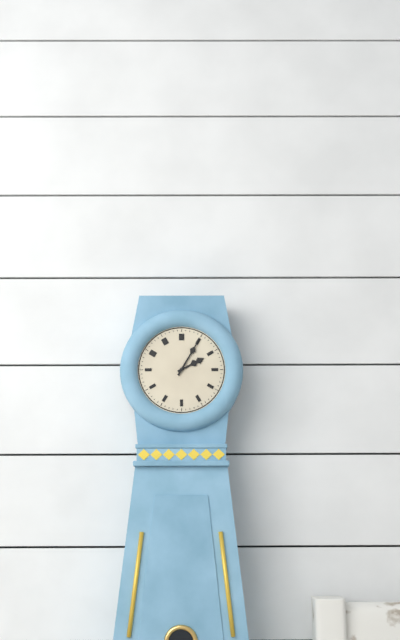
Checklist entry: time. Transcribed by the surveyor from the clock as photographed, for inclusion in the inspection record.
2:05
